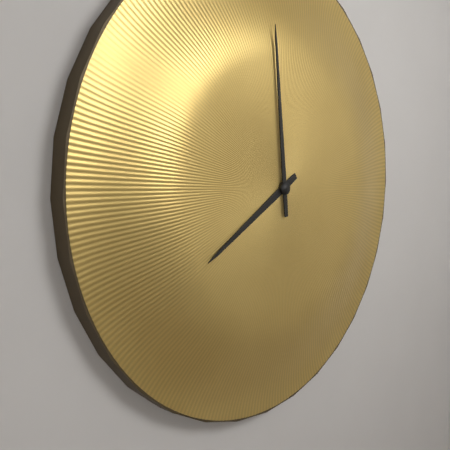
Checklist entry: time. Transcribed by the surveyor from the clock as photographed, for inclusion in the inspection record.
7:59
